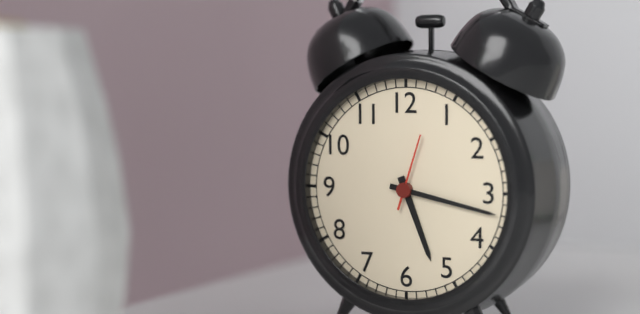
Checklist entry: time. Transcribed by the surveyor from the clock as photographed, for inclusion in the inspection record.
5:17:03
